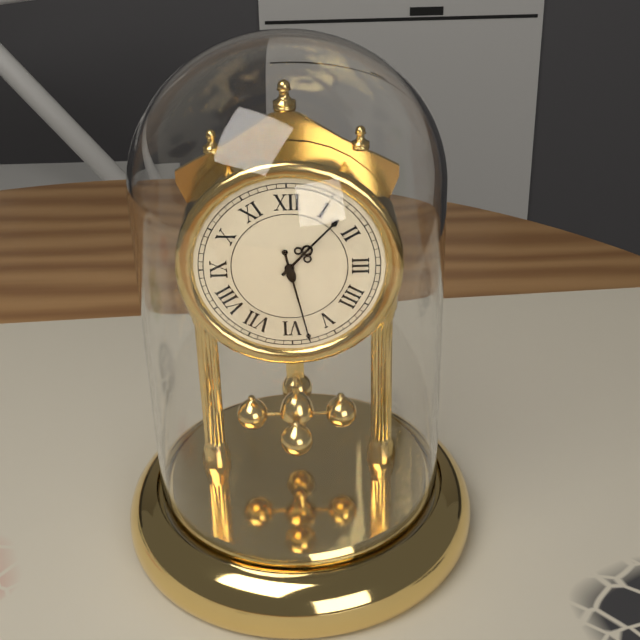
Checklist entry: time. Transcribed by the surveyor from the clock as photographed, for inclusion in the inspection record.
1:28
